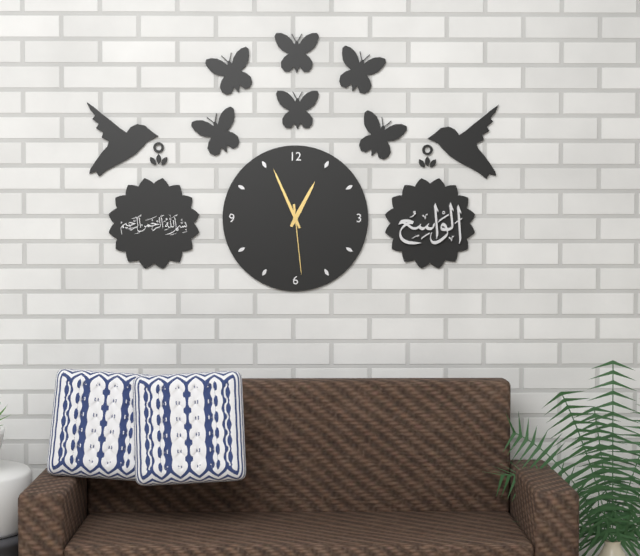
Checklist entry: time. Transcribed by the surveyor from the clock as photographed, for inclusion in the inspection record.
12:56:29
